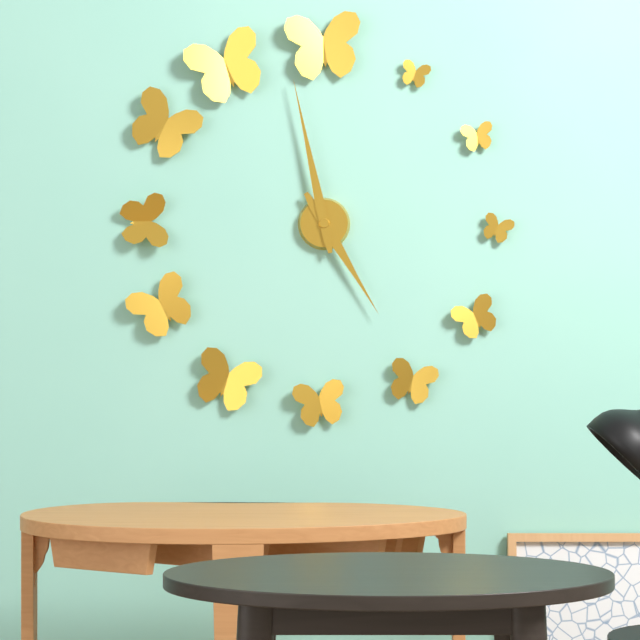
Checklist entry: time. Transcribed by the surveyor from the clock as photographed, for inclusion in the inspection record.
4:58
